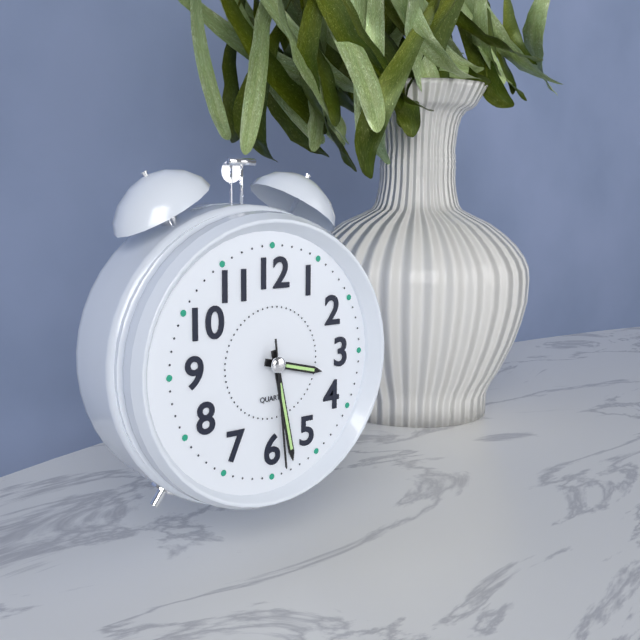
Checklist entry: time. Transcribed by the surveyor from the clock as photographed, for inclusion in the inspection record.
3:28:29
